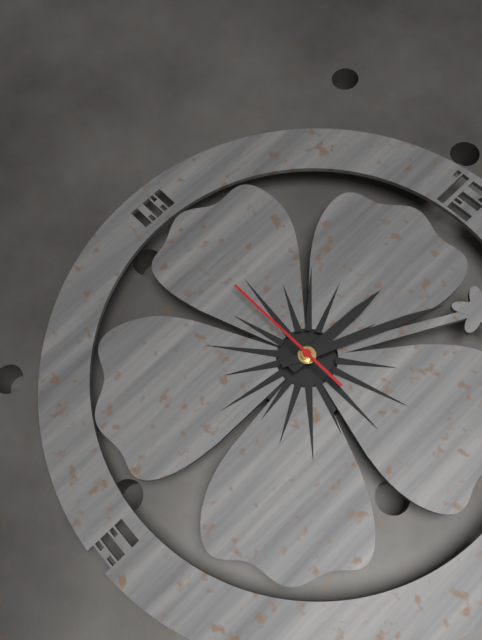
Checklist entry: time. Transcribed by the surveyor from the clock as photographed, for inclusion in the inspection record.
12:04:45
